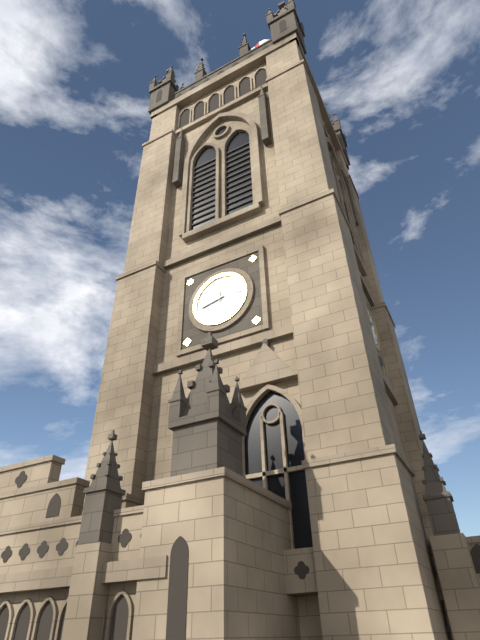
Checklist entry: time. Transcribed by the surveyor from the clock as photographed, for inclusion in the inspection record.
11:43
